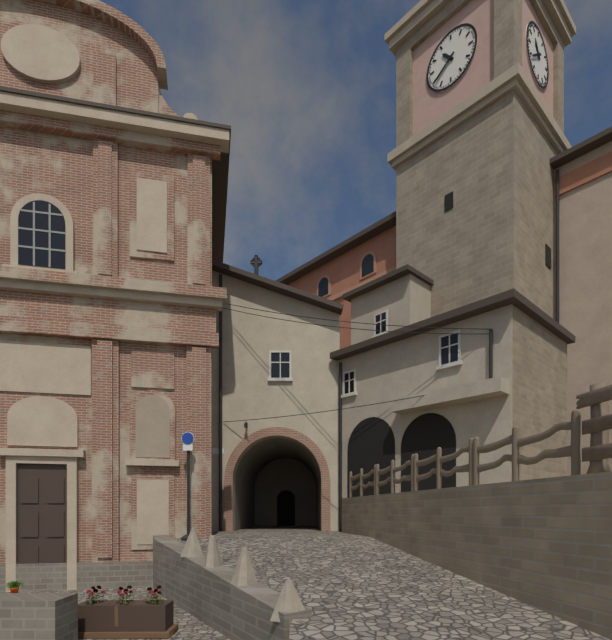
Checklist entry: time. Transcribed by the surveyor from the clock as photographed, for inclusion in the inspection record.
10:39
